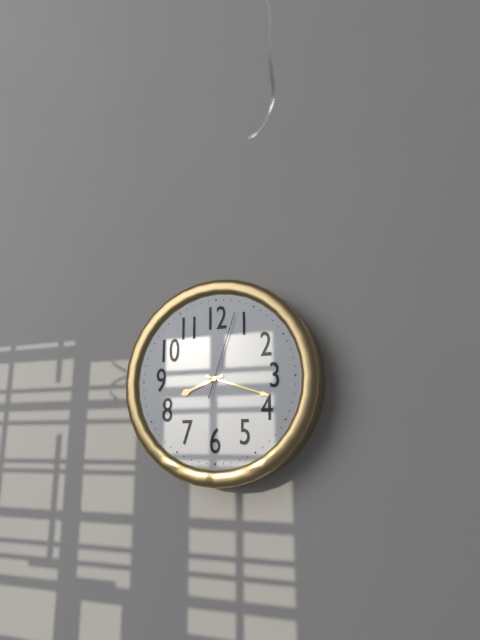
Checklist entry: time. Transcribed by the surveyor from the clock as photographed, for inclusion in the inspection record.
8:18:03
